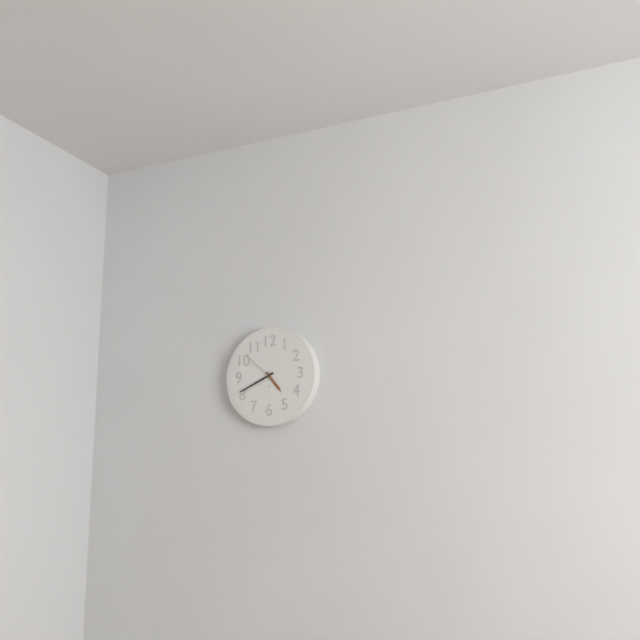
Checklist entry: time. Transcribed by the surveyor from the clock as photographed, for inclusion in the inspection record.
4:41
